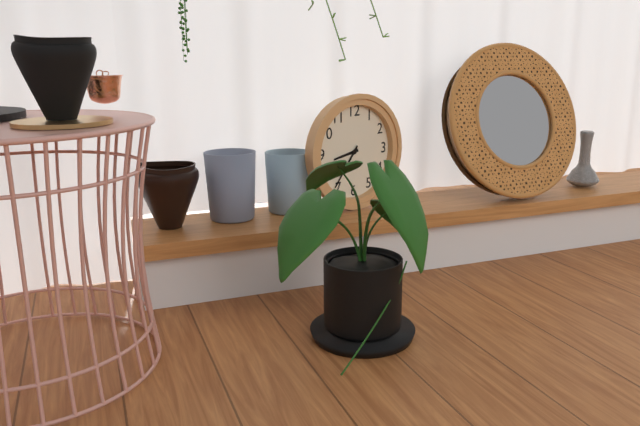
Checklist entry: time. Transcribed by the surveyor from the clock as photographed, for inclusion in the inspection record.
8:36
